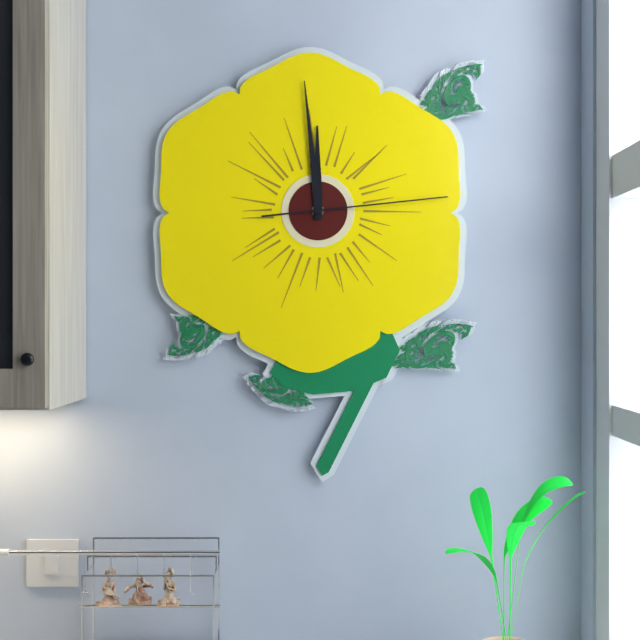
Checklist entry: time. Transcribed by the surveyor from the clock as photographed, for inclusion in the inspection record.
11:59:14
